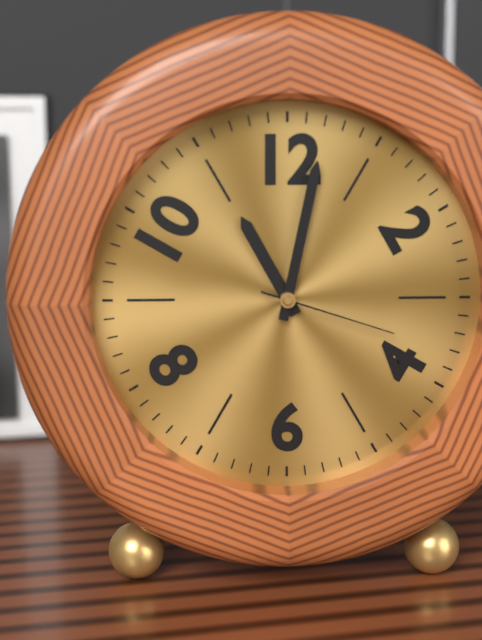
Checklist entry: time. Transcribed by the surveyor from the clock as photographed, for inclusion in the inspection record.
11:02:18
